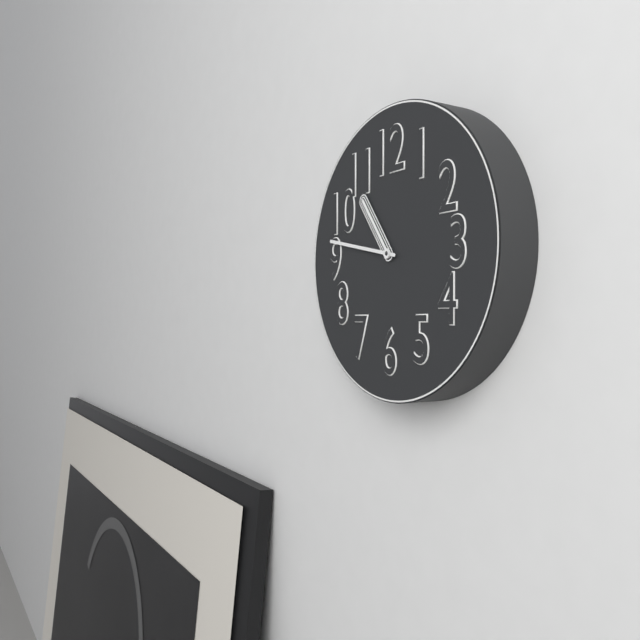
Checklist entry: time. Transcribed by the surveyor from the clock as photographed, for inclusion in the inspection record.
10:47
